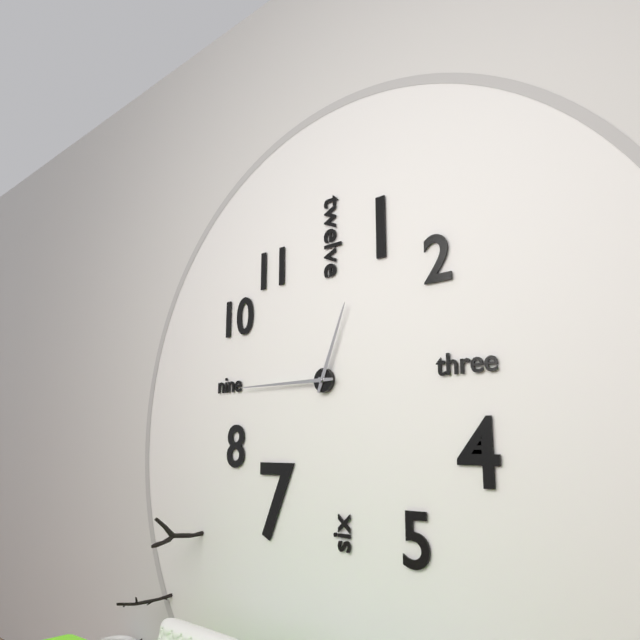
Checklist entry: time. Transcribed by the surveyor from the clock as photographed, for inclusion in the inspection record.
12:45
